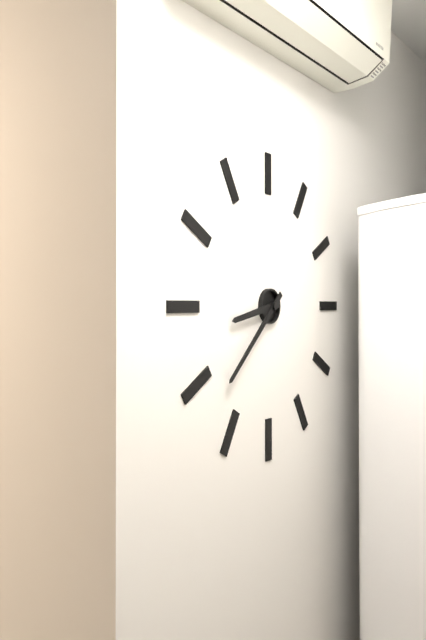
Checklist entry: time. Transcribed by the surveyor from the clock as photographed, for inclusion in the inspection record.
8:38
